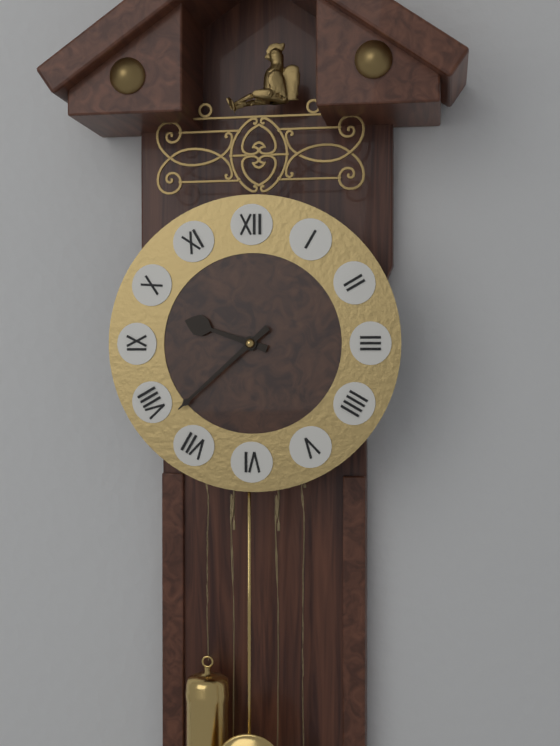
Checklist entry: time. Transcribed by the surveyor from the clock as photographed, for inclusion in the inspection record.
9:38
